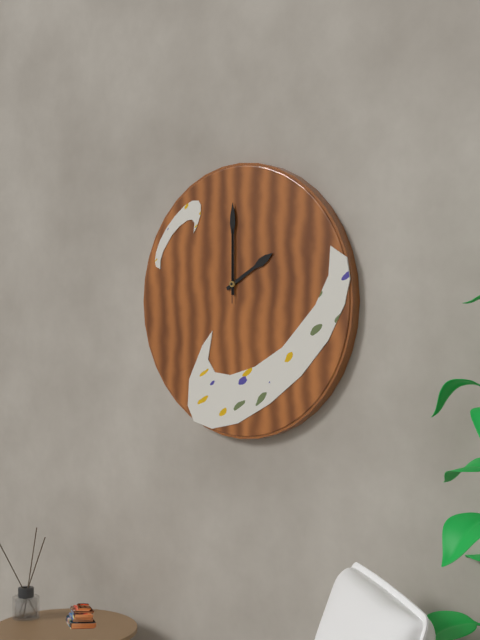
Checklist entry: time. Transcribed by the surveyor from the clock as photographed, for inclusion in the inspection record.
2:00:00
